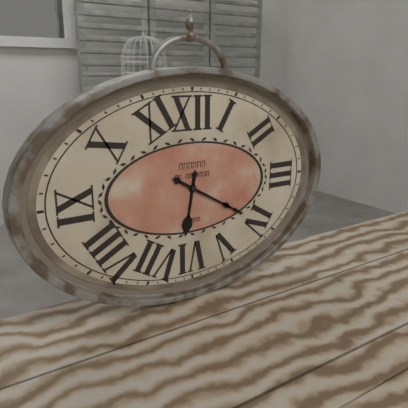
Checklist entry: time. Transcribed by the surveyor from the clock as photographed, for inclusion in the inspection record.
6:20
